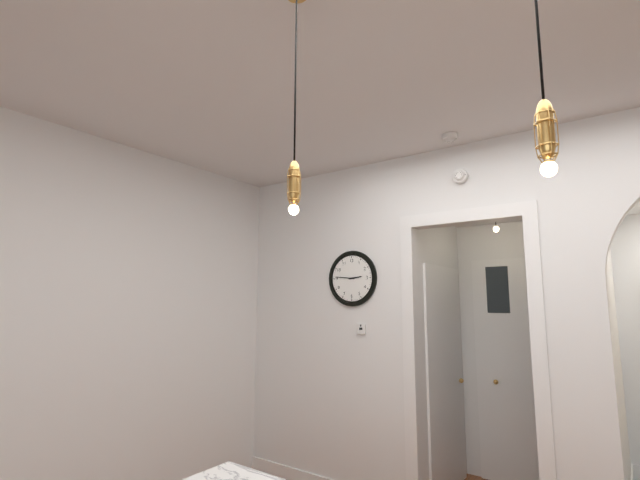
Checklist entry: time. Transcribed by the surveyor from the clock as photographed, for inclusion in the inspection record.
2:46
